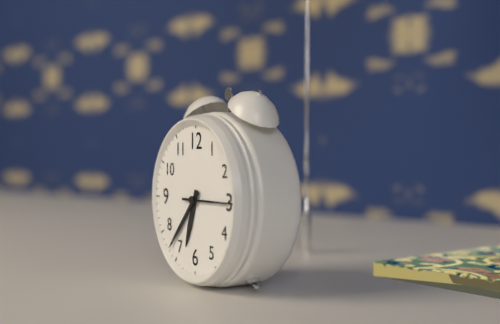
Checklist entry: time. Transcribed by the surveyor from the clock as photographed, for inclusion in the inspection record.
6:37:15
